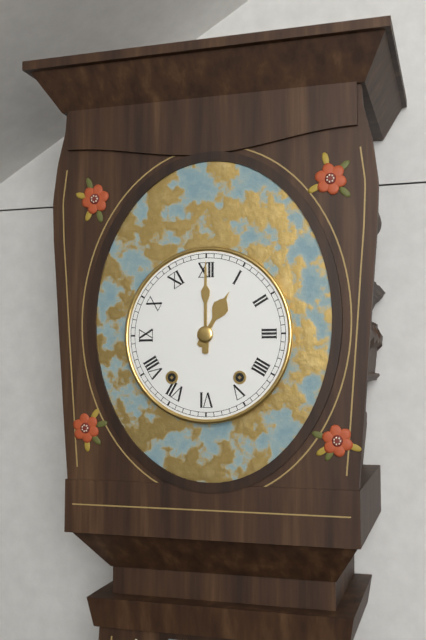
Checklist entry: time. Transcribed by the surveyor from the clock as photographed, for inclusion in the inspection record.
1:00
